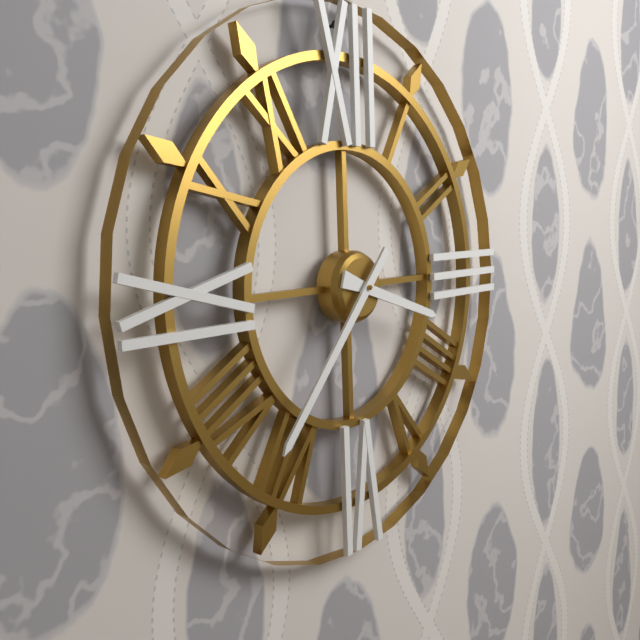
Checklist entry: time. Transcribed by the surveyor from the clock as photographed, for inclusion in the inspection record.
3:37
